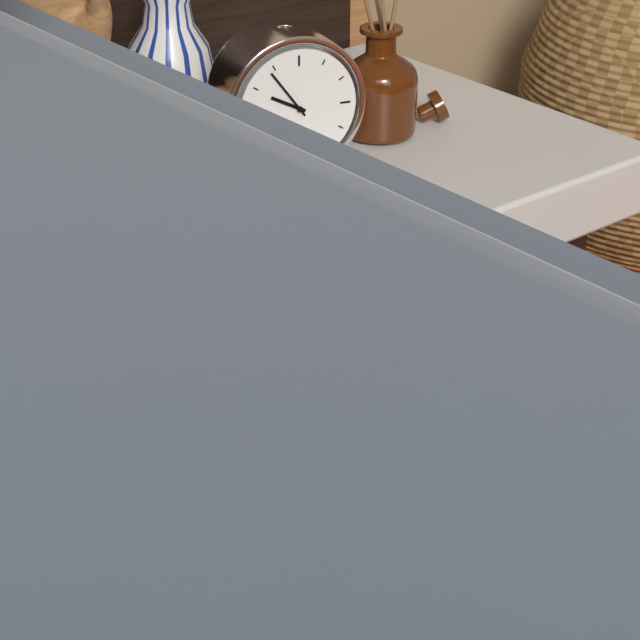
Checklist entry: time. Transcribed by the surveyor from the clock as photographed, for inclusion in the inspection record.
9:54
